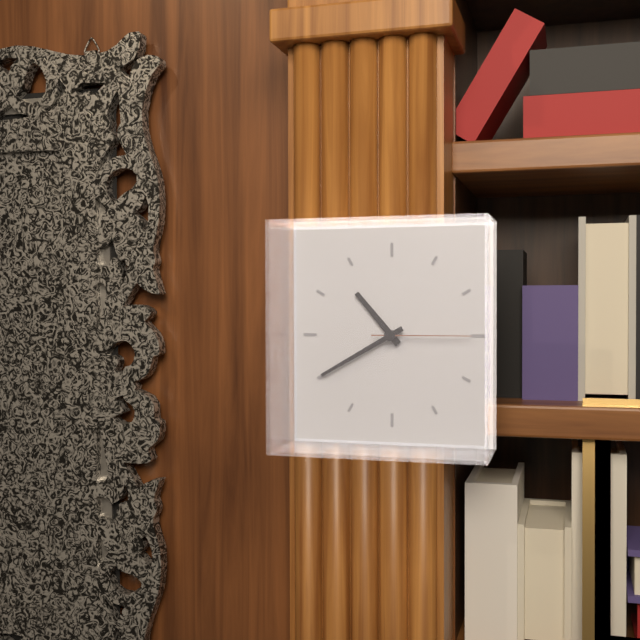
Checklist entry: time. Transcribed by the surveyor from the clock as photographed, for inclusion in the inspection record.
10:40:15
